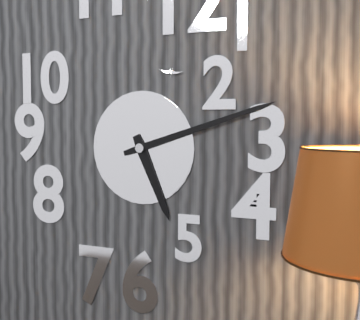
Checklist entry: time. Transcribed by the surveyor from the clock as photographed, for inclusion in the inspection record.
5:12
